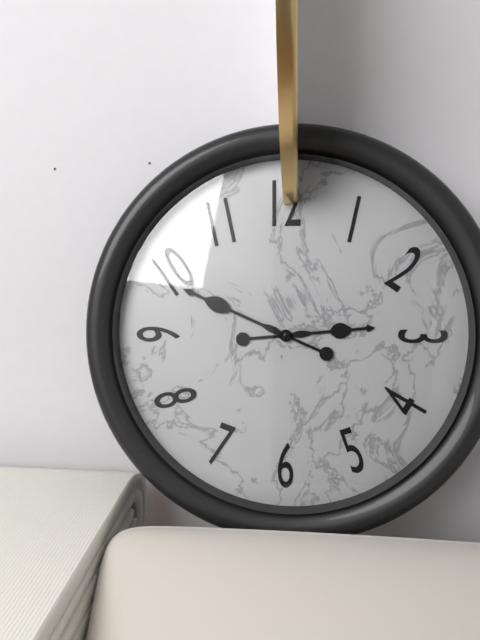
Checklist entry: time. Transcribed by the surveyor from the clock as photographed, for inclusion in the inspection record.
2:49
